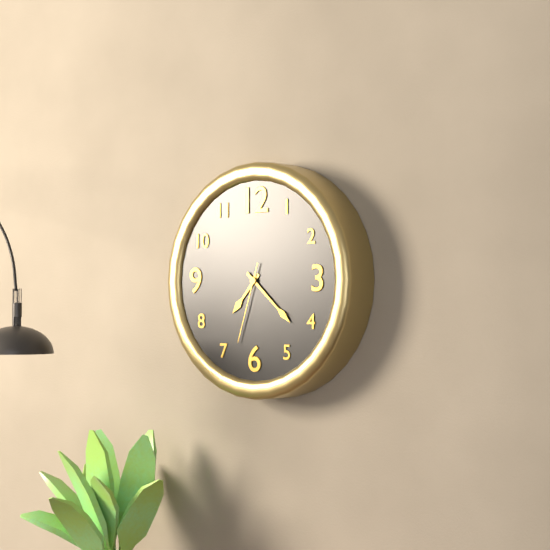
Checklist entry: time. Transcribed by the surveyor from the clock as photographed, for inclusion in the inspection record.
7:22:33
